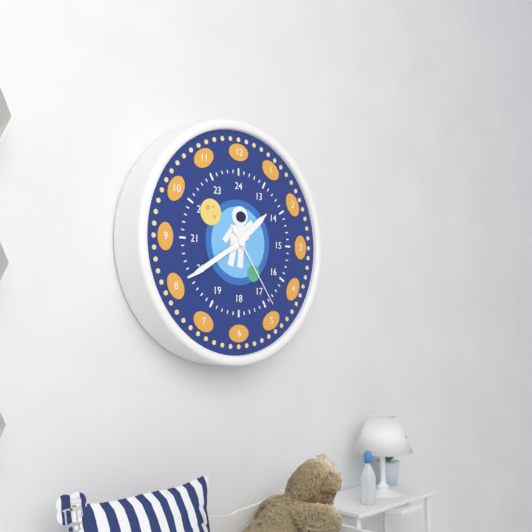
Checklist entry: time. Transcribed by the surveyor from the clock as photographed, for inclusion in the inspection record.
1:40:24
